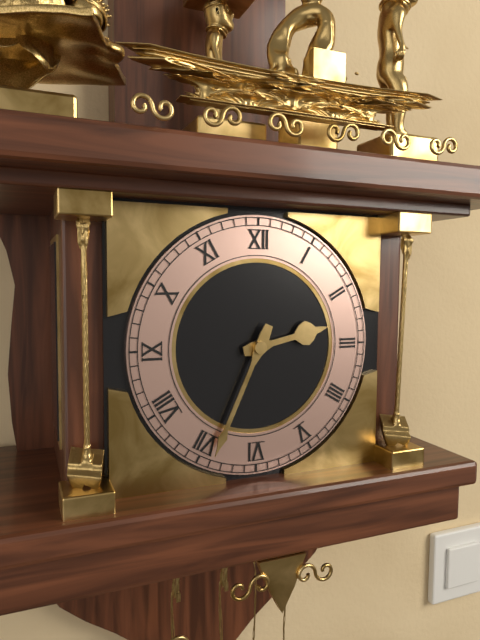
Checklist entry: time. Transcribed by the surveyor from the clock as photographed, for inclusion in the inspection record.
2:34
